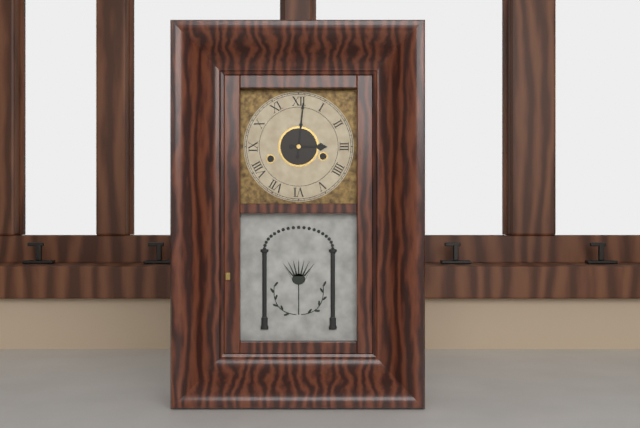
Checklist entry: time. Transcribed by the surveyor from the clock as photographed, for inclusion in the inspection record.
3:01
